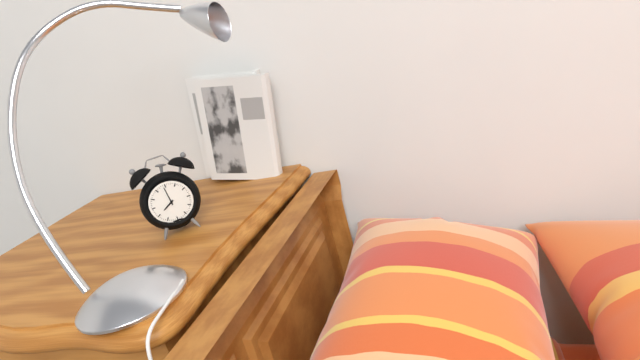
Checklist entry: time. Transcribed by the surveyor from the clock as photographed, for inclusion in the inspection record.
7:59
